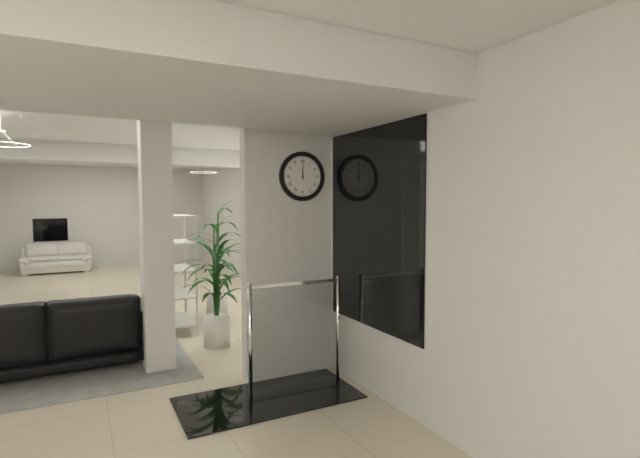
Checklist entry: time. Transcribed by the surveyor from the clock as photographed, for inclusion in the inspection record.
12:00
